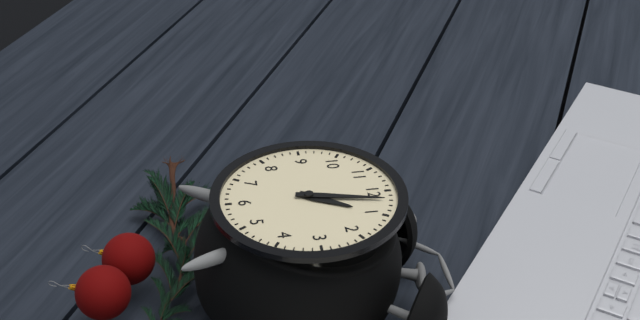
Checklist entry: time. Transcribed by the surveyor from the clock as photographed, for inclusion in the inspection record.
1:02
